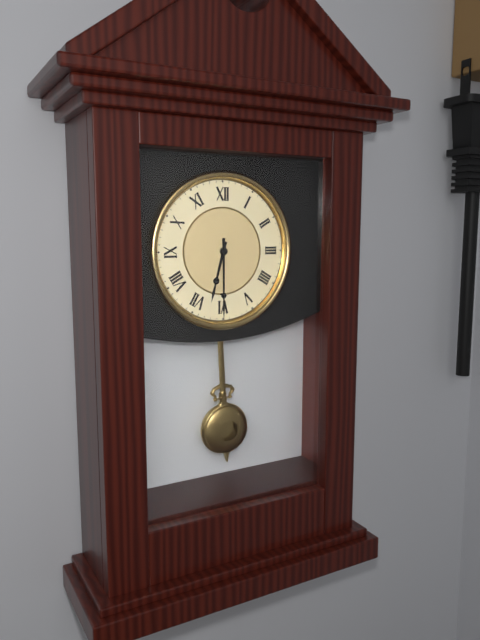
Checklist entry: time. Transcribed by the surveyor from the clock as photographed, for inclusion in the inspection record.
6:30
